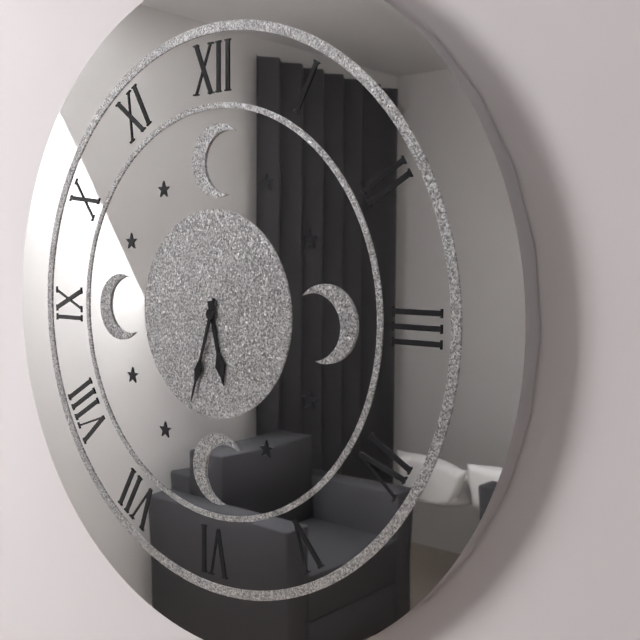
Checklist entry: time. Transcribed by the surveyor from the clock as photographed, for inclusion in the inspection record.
5:33
